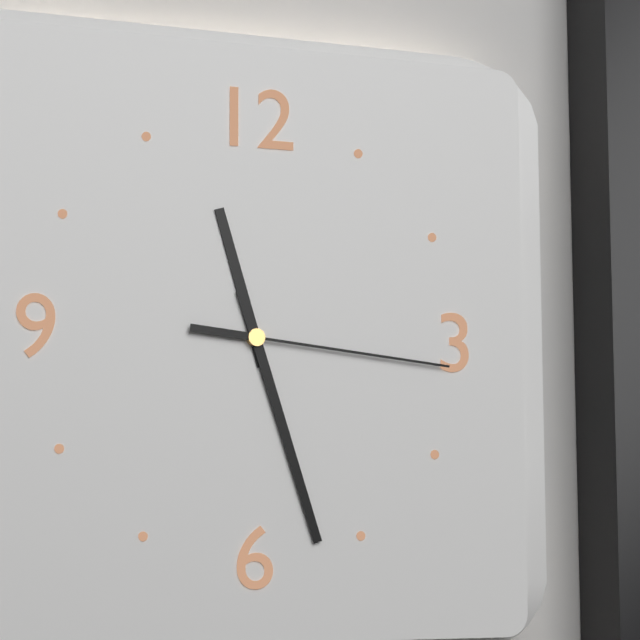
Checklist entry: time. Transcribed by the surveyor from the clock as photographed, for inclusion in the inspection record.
11:27:16
